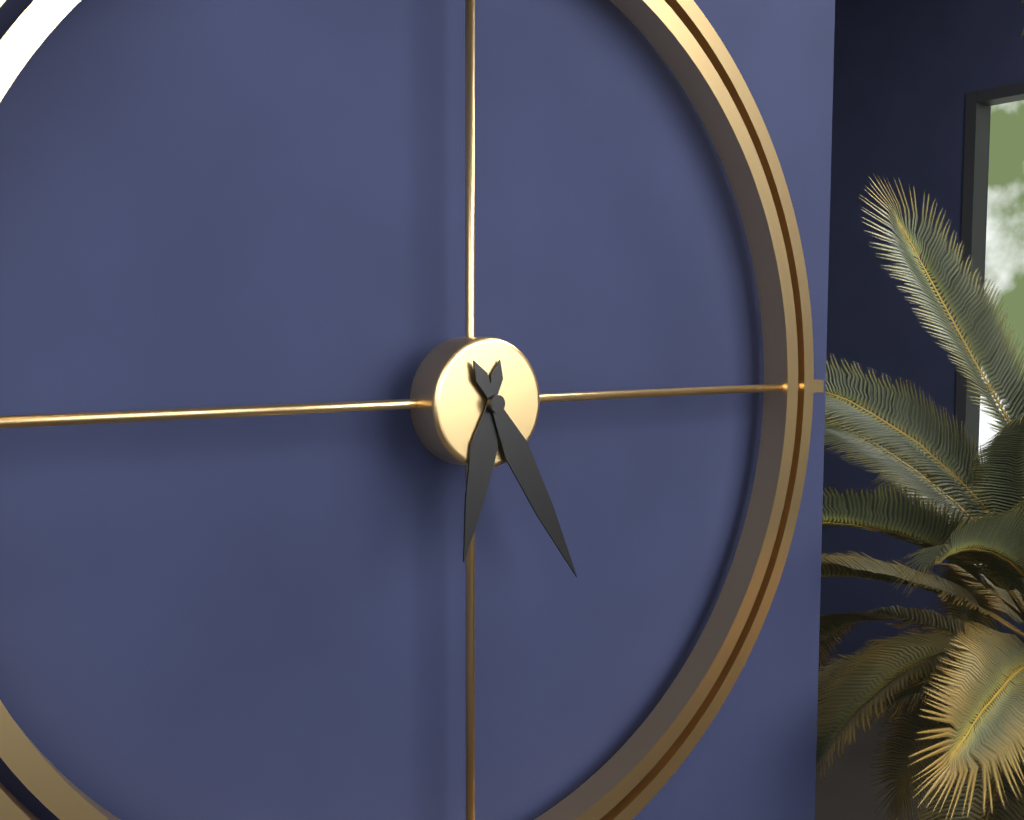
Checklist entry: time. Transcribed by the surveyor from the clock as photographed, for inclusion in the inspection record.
6:25
